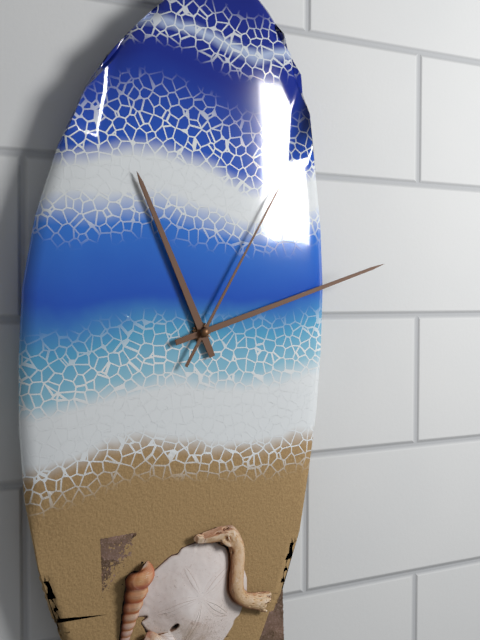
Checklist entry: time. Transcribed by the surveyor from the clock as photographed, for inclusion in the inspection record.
11:12:05
